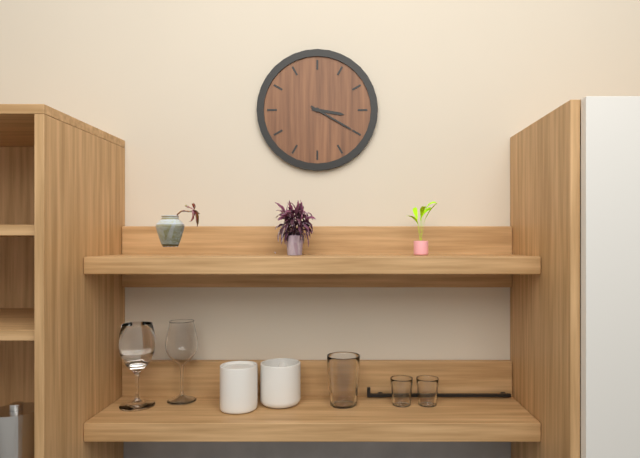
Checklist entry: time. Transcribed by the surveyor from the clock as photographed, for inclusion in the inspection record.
3:20
